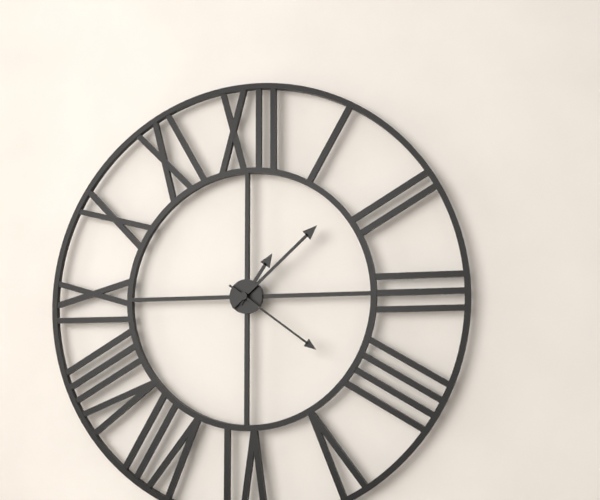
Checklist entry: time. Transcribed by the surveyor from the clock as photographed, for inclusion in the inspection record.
1:08:21
